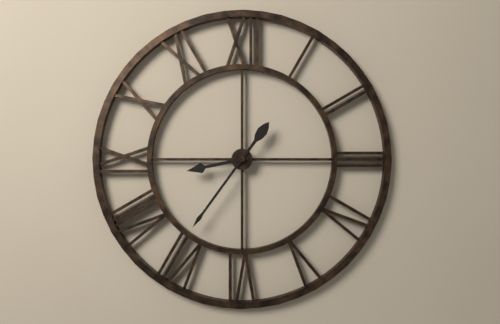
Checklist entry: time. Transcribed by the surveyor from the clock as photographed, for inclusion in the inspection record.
8:36
